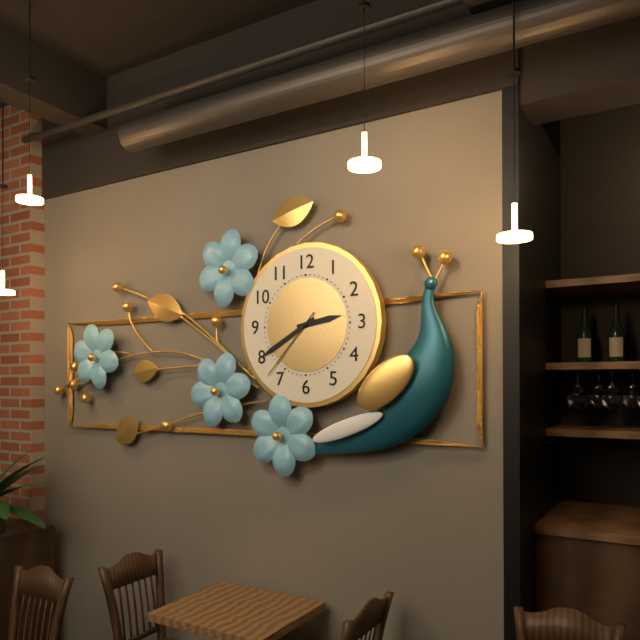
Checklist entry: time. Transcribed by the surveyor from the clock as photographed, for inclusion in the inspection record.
2:40:37
